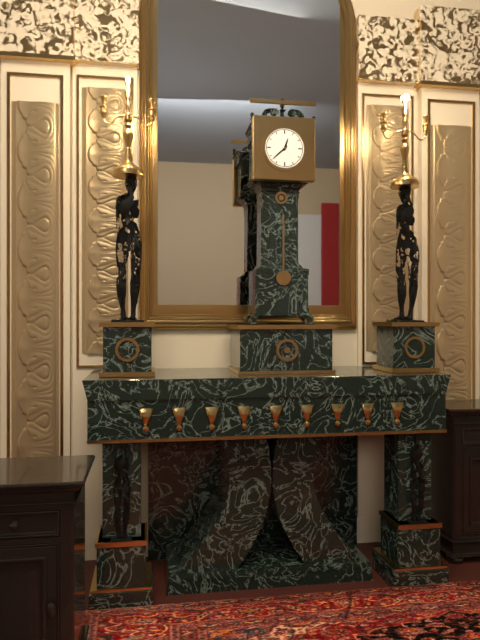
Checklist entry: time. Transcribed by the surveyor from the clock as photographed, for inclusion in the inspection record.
12:38
